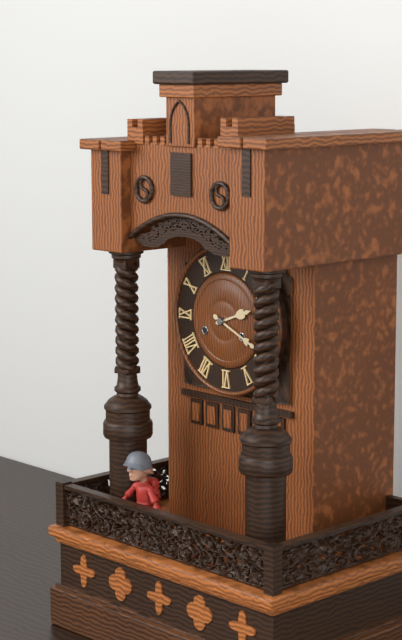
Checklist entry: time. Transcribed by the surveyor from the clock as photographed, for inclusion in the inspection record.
2:19
